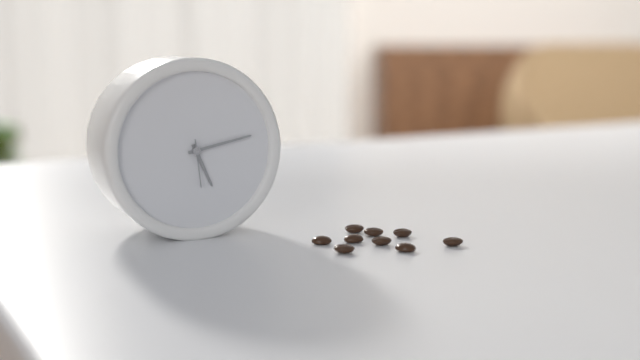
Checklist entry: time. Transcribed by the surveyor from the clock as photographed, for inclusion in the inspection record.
5:13
